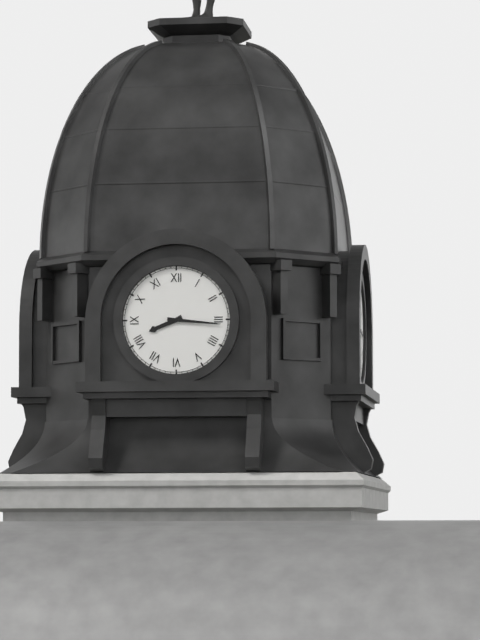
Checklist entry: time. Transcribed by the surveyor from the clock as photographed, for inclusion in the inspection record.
8:16
